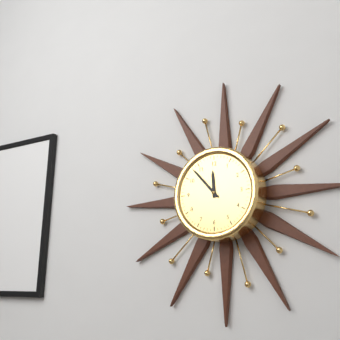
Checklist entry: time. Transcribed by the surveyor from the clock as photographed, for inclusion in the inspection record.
11:53
